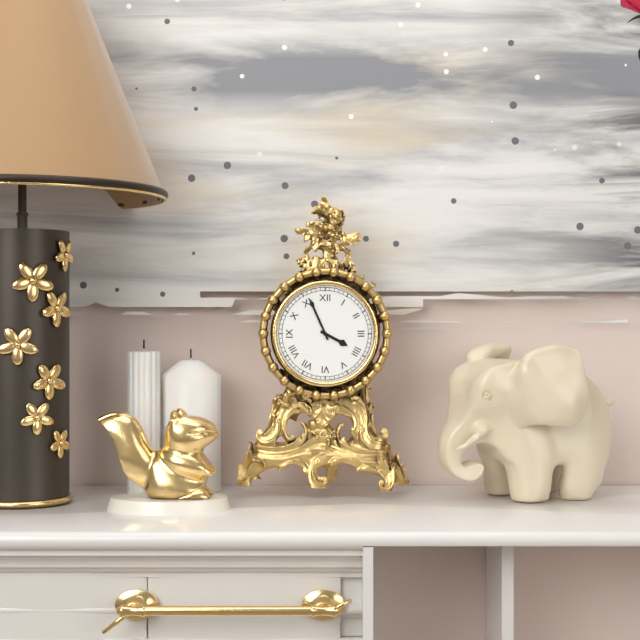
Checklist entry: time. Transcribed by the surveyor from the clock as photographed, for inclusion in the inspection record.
3:56
